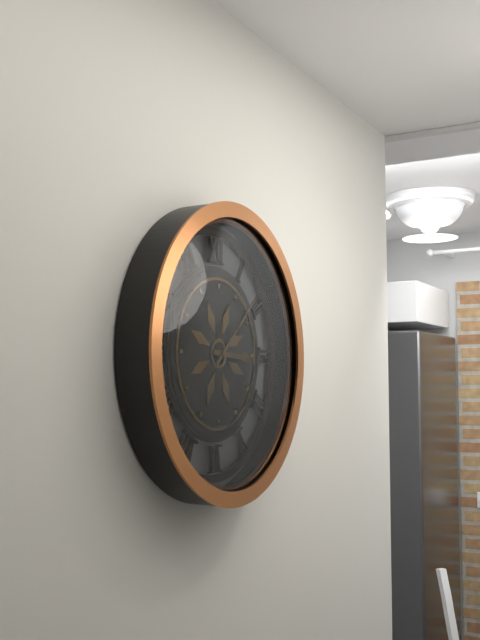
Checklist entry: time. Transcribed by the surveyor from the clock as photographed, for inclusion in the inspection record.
3:08
